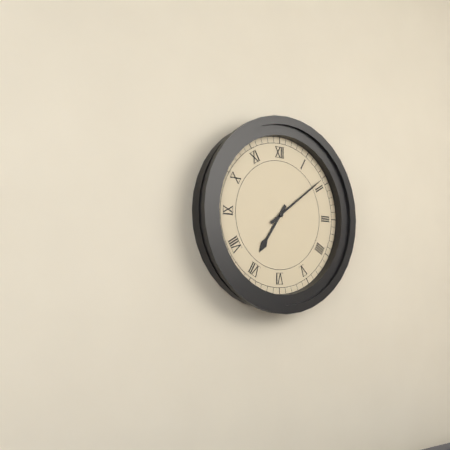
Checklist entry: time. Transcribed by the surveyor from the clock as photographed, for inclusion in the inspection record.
7:09
